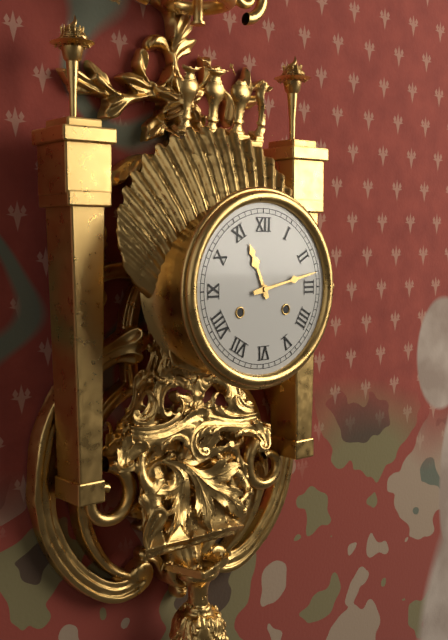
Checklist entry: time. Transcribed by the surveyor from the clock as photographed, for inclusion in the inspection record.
11:13
